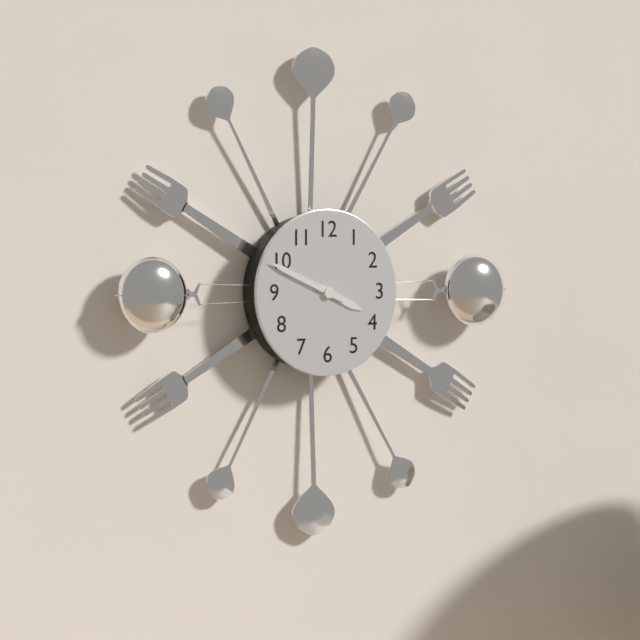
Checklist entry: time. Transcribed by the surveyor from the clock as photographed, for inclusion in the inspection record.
3:49
